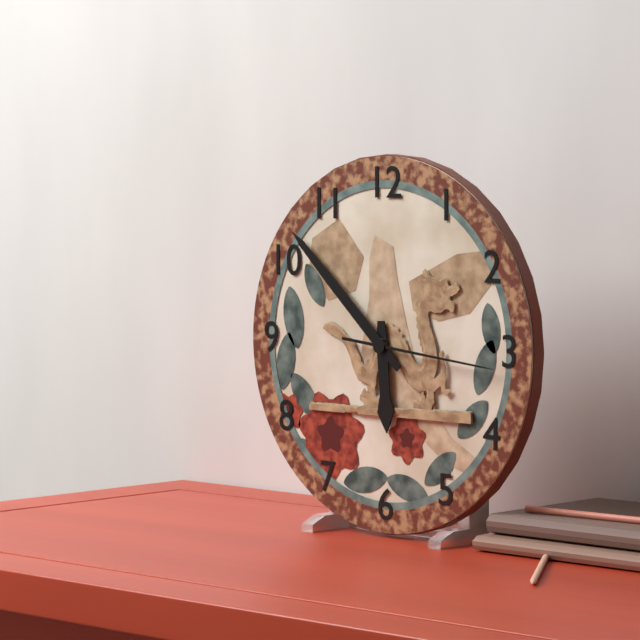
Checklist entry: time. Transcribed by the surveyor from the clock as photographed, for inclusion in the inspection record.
5:52:16
